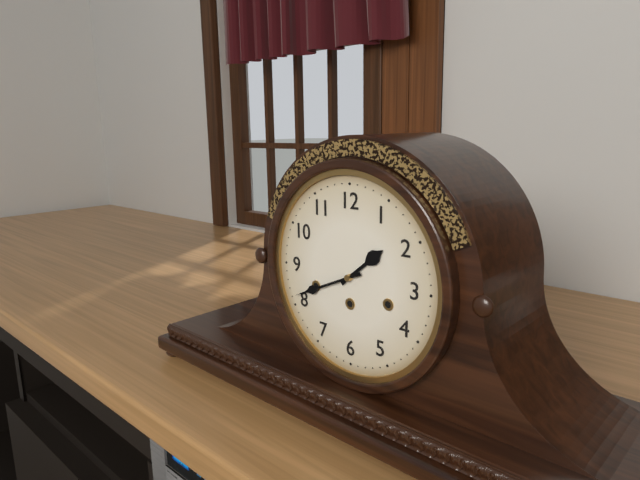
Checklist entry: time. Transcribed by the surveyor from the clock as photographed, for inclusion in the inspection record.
1:41
